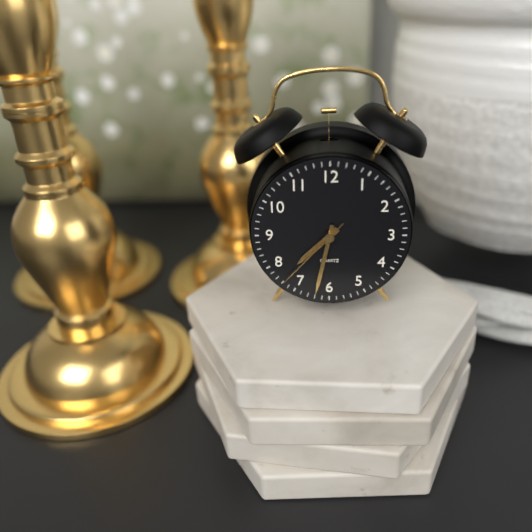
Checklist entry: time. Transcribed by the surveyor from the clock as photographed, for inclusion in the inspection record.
7:32:37
